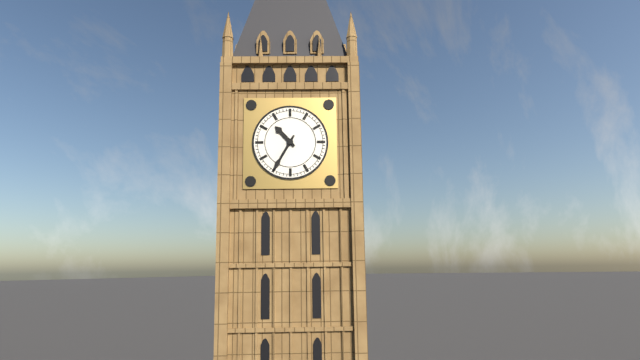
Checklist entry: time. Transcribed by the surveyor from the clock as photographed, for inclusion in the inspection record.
10:35
